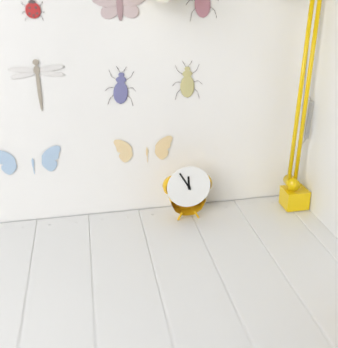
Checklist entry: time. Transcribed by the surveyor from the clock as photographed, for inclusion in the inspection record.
11:55
